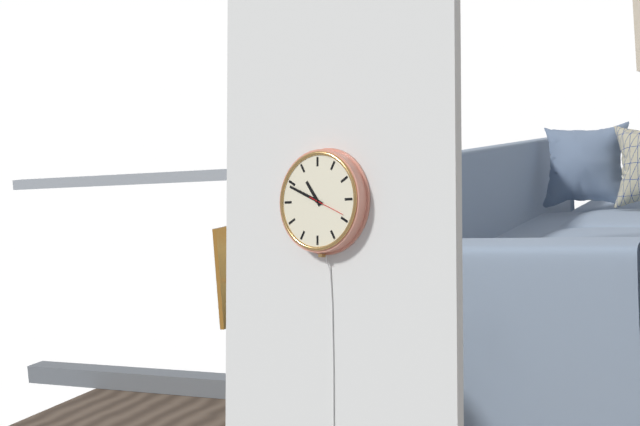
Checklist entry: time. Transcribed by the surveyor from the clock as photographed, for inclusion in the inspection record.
10:49
